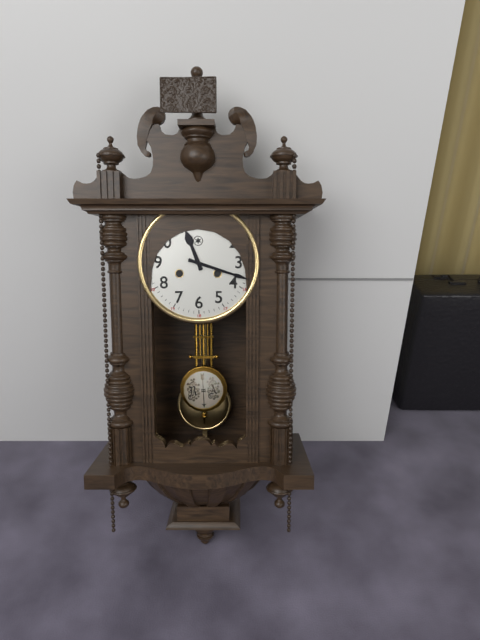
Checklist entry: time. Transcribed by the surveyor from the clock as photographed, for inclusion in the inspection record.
11:18
